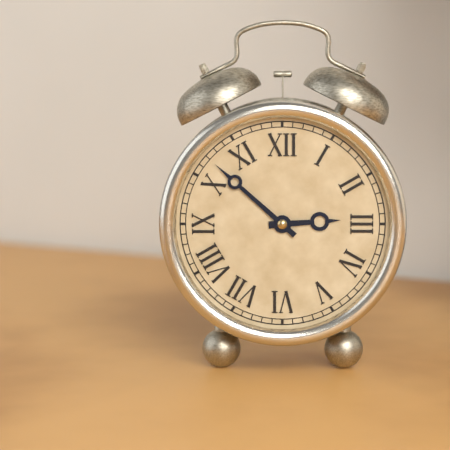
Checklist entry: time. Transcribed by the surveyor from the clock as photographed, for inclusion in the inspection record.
2:52
